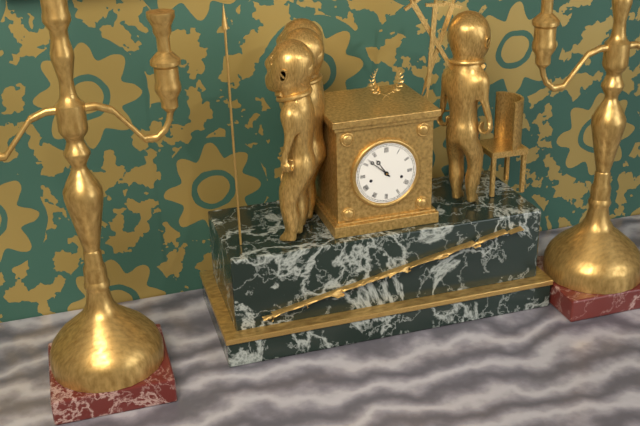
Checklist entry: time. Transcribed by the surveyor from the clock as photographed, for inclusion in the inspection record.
10:52
